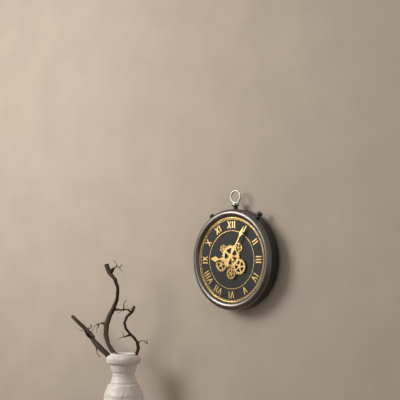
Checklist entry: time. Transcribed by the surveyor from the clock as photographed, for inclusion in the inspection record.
9:05
